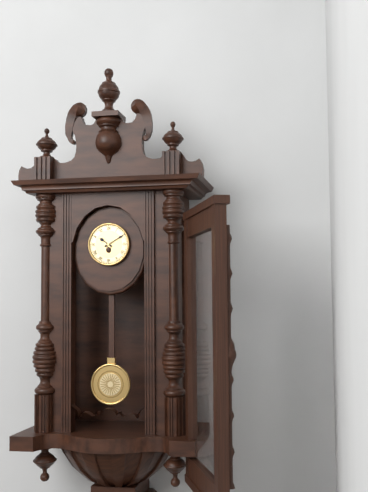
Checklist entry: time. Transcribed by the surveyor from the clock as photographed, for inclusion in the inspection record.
10:10
